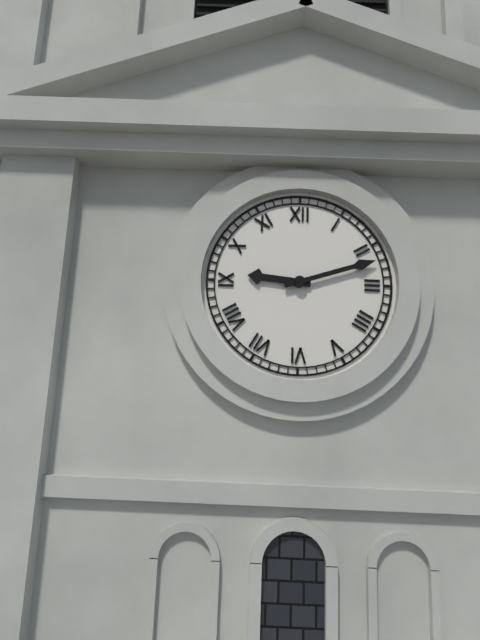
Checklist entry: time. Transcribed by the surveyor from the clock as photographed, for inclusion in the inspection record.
9:12
